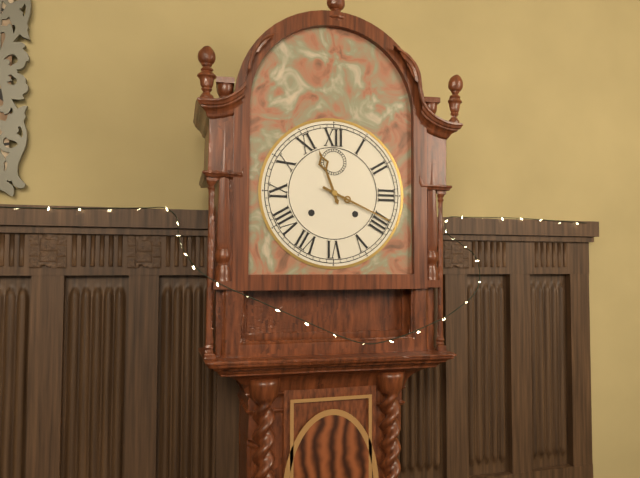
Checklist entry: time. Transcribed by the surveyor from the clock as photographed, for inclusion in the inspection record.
11:19
